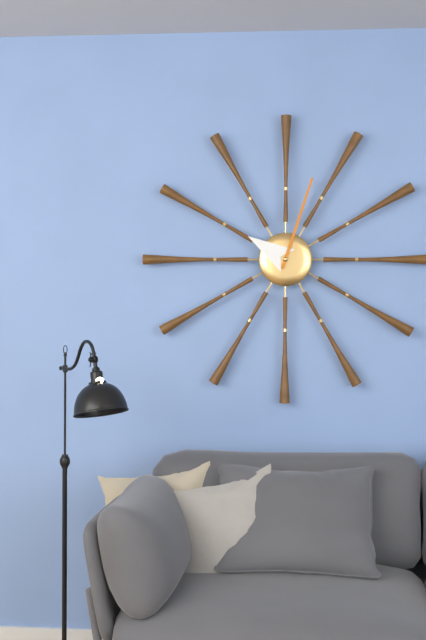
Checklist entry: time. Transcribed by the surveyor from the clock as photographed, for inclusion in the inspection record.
10:03
